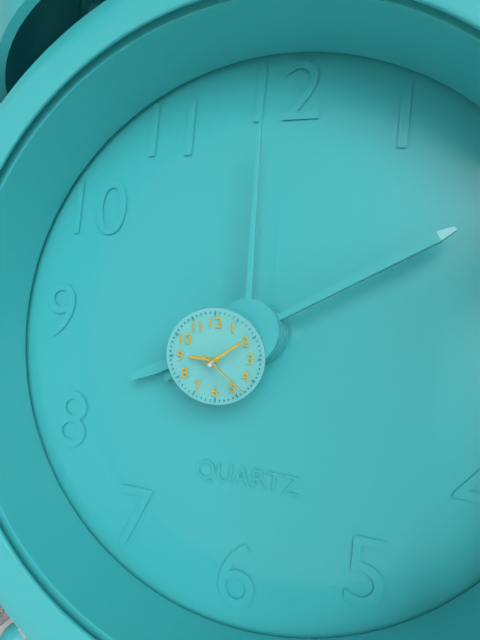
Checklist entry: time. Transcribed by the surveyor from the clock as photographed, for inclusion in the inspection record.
9:09:22
